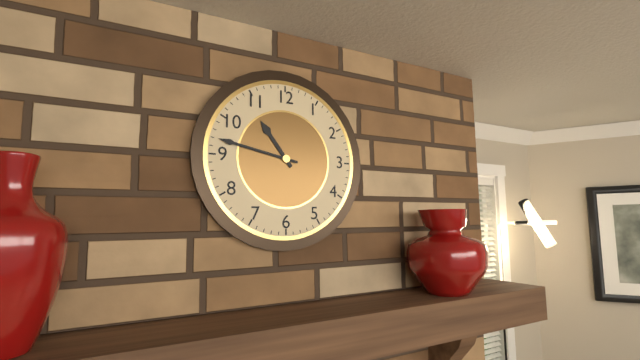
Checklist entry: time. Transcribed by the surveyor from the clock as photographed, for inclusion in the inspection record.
10:47
